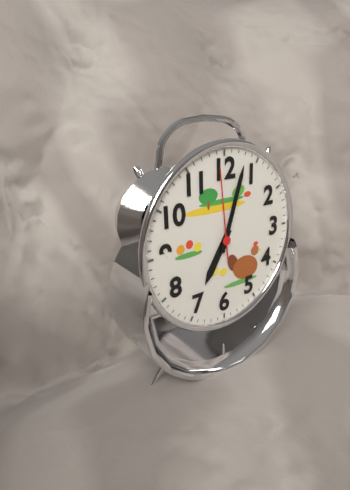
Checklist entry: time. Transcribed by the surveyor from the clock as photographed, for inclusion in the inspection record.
7:03:59
